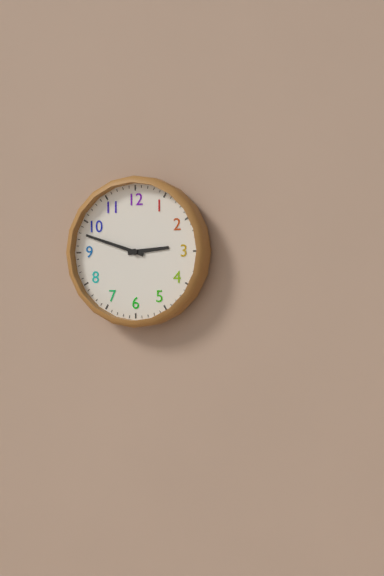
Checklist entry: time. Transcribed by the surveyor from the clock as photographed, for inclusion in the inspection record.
2:48
